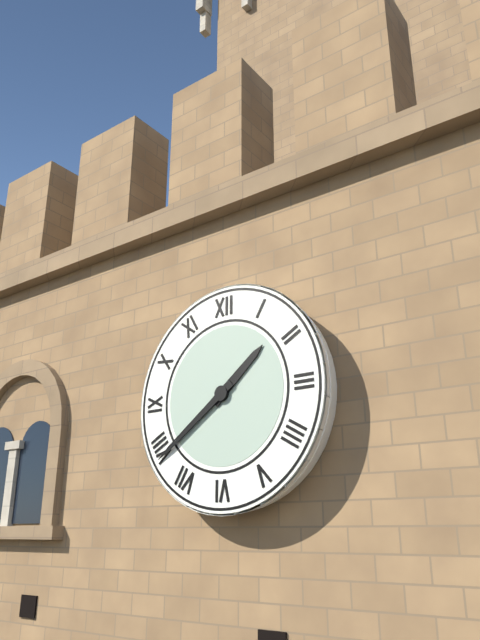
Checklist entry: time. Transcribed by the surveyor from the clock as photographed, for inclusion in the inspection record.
1:39
